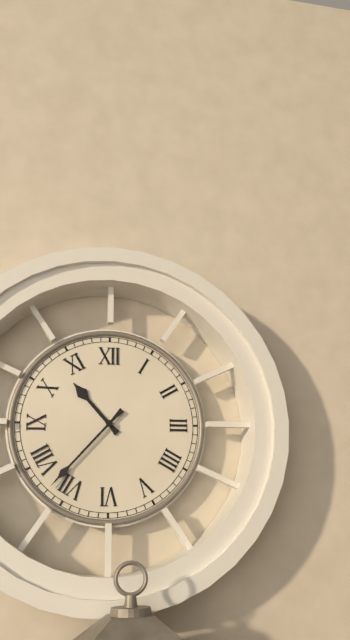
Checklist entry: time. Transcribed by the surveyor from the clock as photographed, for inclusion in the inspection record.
10:37
